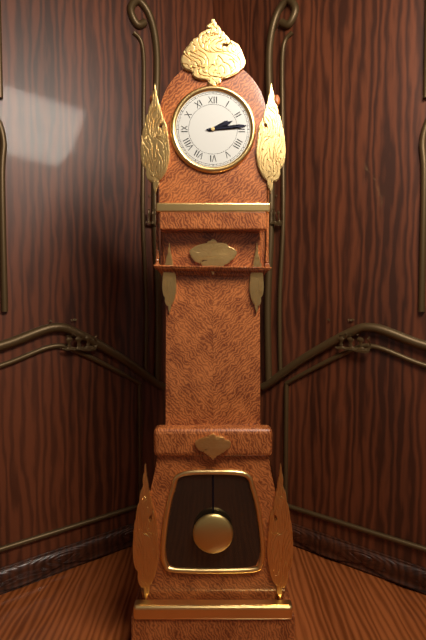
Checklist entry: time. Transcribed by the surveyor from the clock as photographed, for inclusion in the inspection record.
2:14
